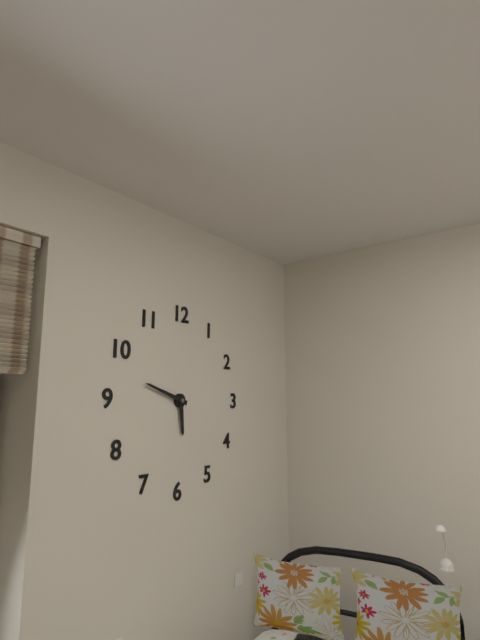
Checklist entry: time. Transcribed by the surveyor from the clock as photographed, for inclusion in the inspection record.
5:48
